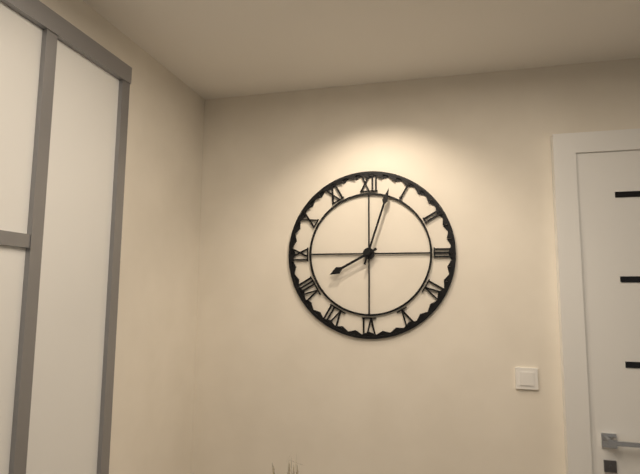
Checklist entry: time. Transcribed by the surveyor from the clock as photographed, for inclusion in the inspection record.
8:03
